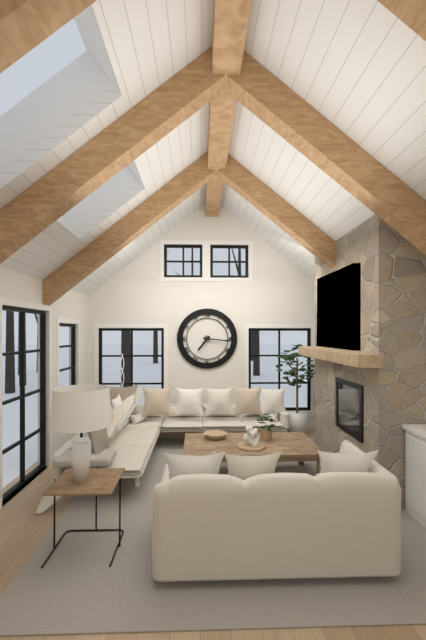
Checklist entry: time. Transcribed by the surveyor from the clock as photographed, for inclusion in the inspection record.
7:16
